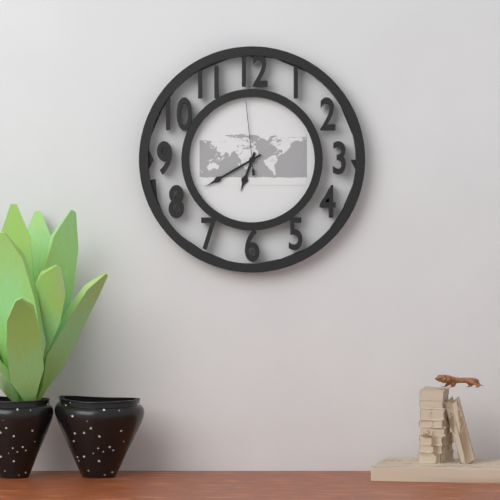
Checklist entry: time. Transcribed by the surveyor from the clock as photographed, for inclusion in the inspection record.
6:40:59
